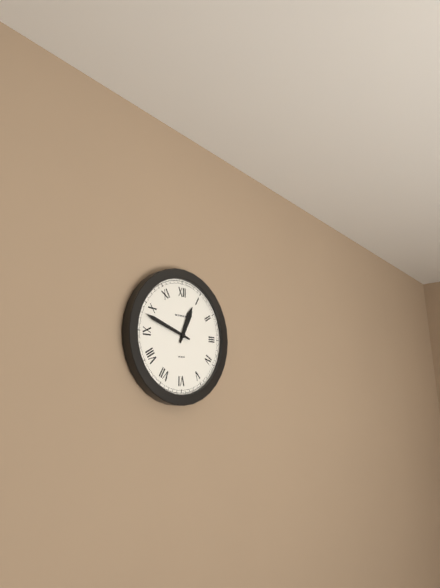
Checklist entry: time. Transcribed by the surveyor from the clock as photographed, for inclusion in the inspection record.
12:48
